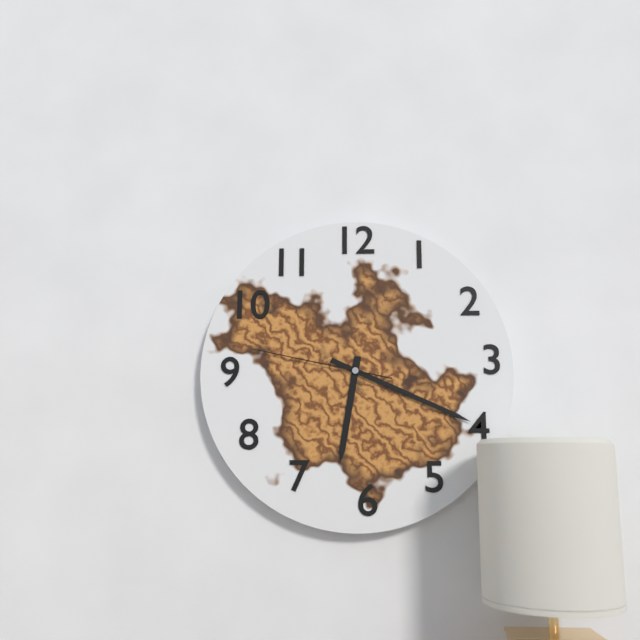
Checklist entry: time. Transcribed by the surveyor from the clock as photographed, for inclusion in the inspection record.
6:19:47
